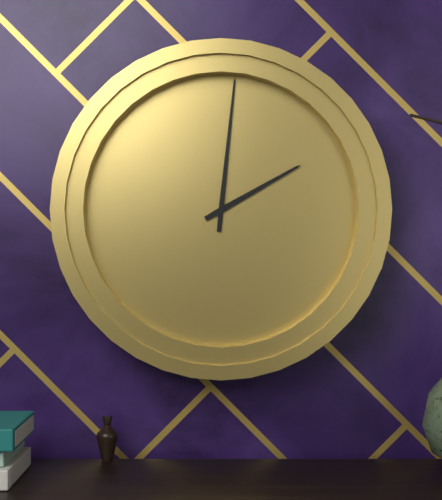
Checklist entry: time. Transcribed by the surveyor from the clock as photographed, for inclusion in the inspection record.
2:01
